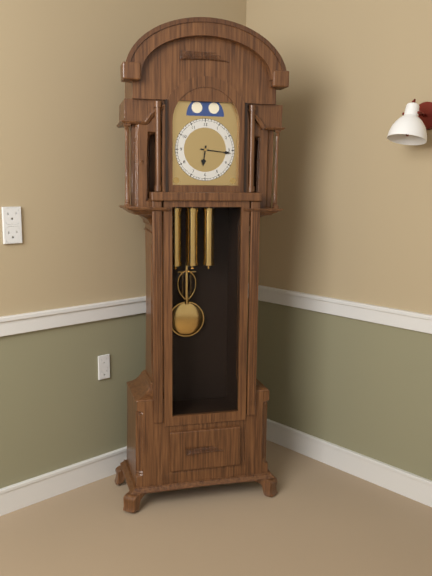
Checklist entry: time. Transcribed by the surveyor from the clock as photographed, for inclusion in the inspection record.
6:16
